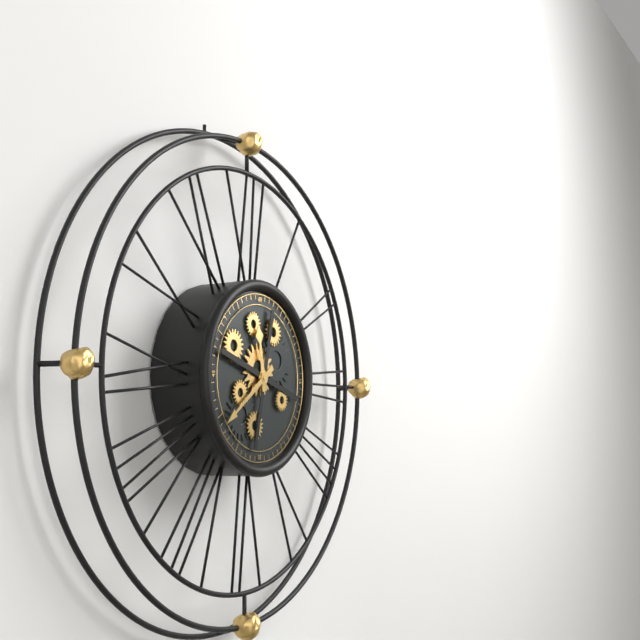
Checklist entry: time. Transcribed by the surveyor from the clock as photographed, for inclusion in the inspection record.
11:39
